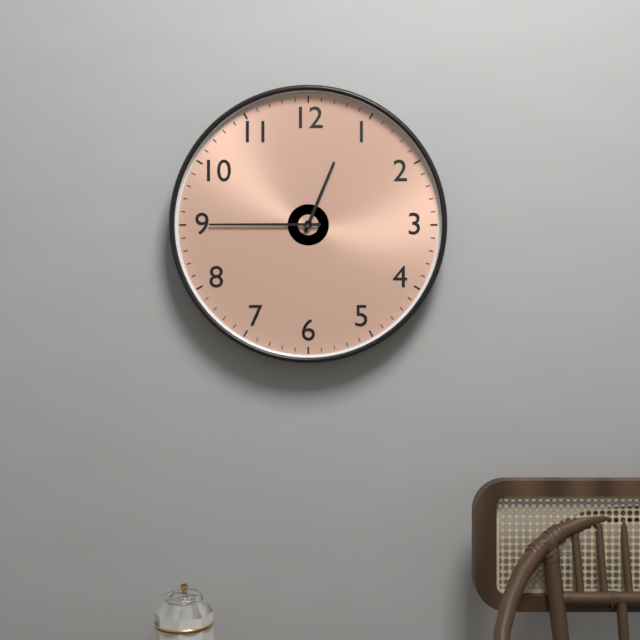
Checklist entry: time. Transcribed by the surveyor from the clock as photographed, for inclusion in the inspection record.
12:45
